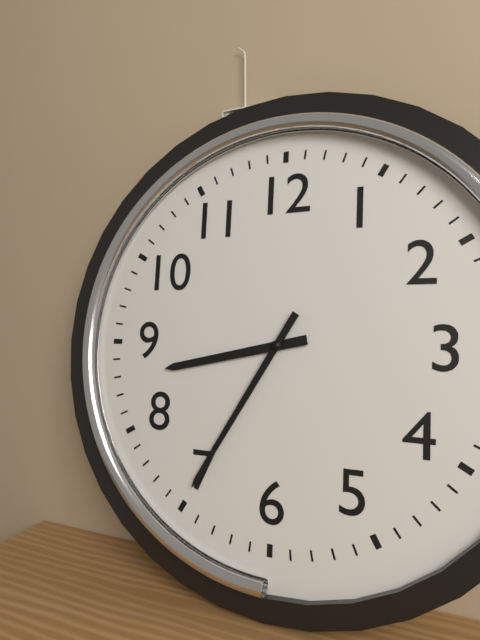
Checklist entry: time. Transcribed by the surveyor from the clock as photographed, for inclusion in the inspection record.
8:35
